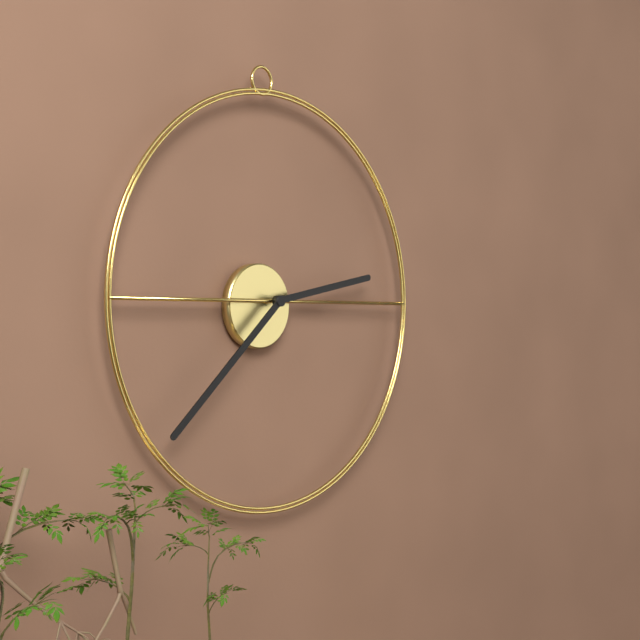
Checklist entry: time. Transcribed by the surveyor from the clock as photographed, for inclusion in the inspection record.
2:38
